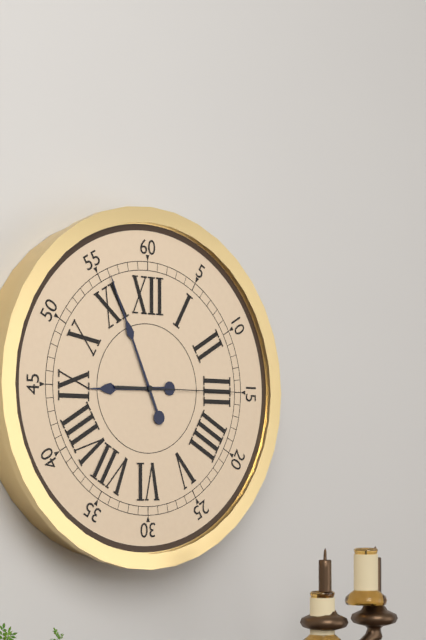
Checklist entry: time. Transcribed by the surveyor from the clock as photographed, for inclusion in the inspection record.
8:56:15
